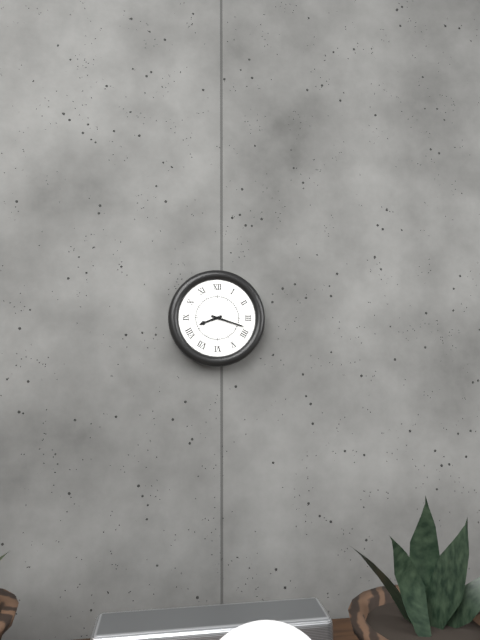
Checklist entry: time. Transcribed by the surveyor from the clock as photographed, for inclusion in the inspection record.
8:18
